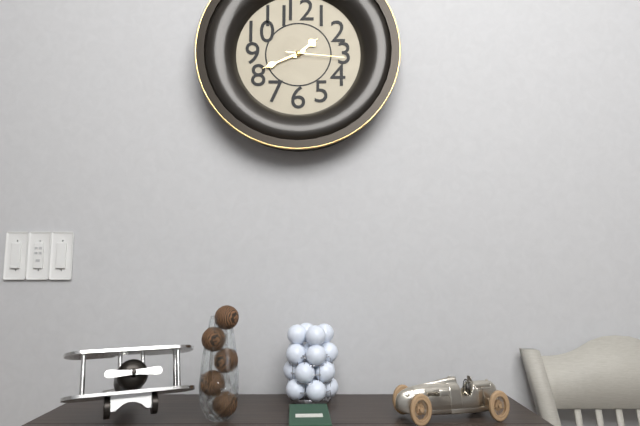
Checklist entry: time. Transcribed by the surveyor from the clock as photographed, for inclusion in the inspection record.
1:41:16
